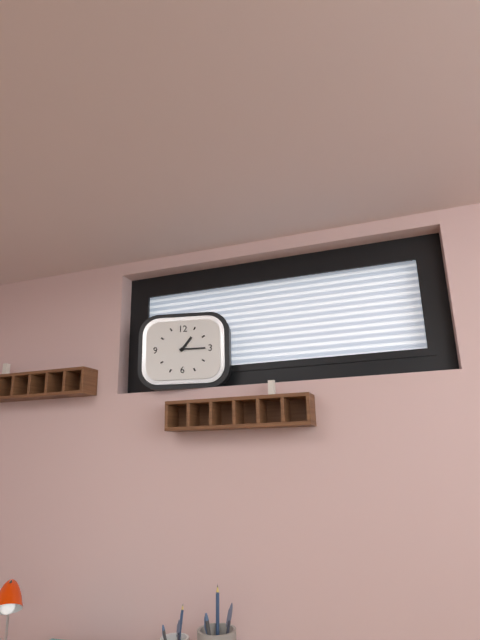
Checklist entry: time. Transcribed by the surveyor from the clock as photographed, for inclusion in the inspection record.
1:15
